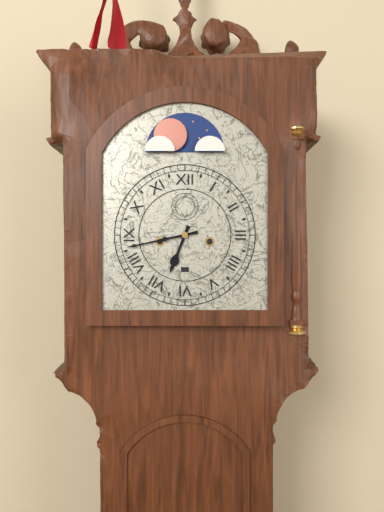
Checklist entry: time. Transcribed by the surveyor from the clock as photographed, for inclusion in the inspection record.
6:43
